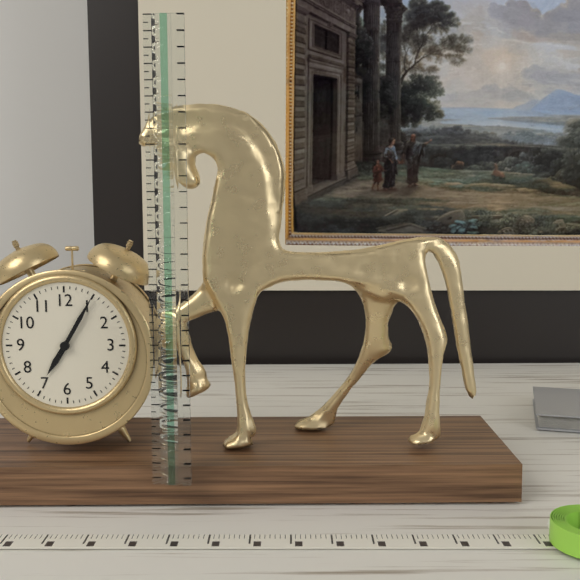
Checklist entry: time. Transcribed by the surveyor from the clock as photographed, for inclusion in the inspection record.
7:05
